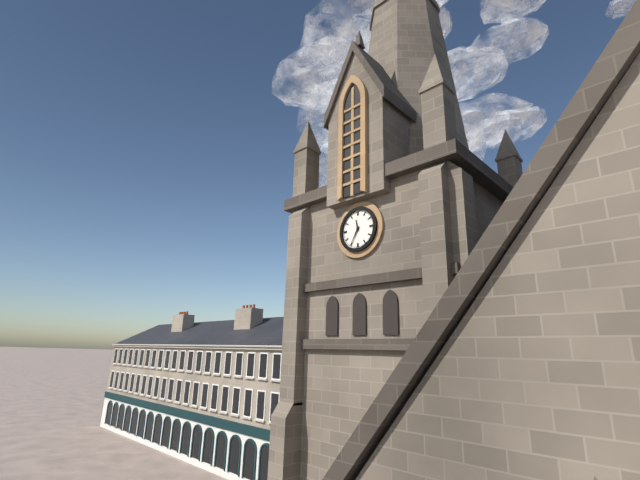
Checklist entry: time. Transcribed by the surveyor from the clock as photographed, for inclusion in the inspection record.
11:35
